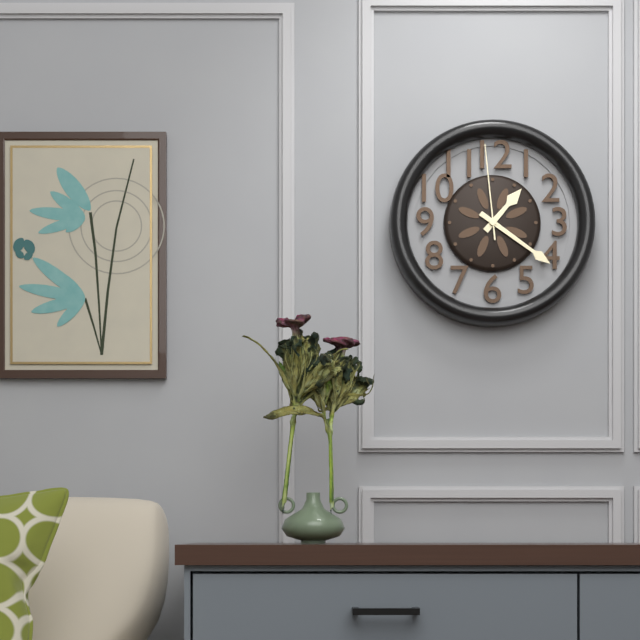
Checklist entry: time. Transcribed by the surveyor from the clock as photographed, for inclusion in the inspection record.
1:21:59
